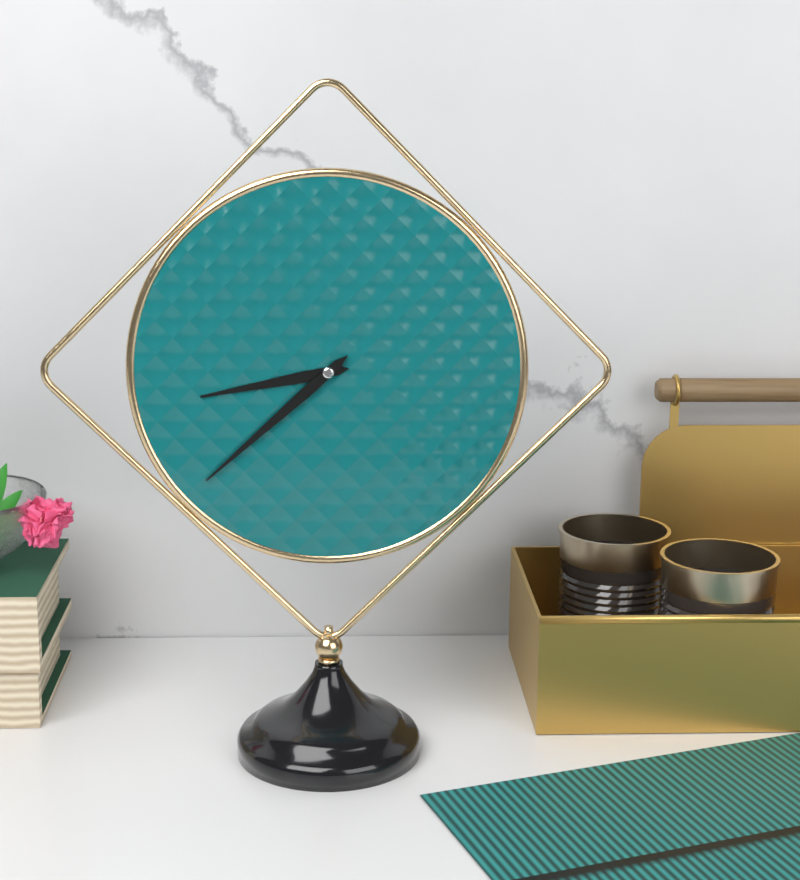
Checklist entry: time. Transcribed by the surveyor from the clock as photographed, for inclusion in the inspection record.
8:38
